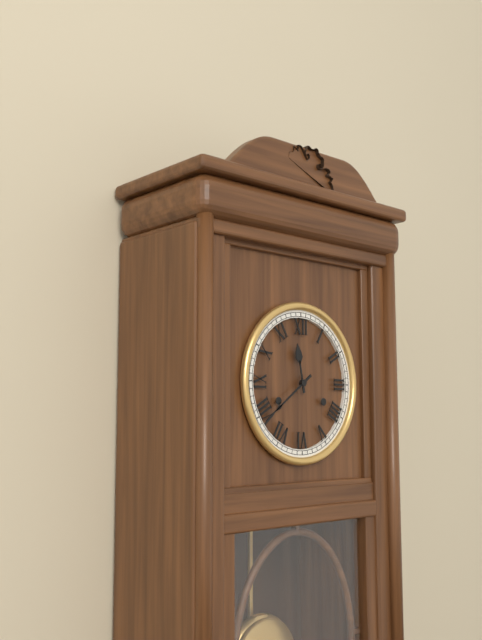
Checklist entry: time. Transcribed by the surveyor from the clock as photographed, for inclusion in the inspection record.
11:39
